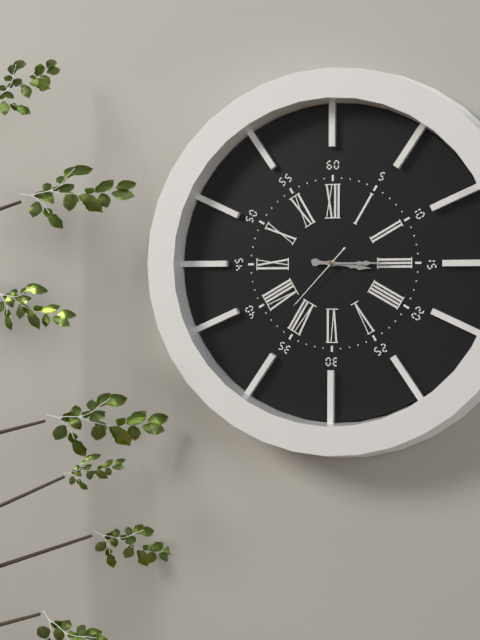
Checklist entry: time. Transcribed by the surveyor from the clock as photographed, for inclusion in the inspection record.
3:15:37
